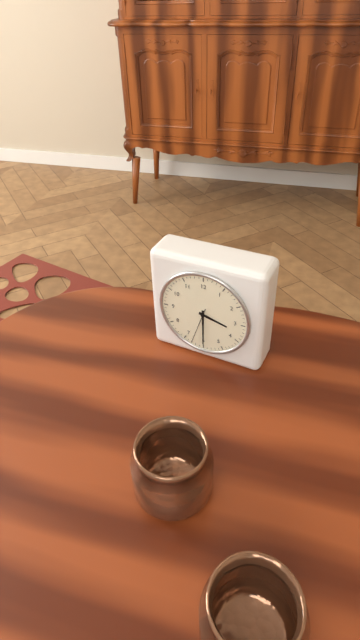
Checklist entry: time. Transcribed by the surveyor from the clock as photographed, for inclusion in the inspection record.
3:30
